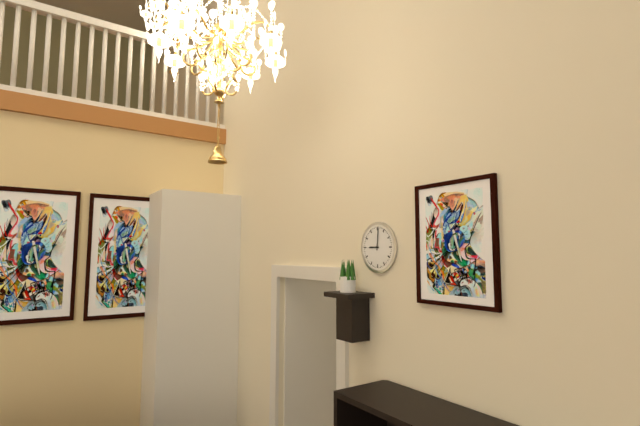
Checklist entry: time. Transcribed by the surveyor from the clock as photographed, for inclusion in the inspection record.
9:01
